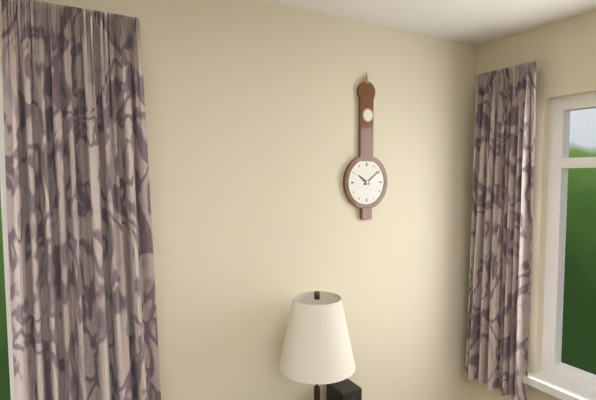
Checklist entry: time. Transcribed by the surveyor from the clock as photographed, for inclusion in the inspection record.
10:09
